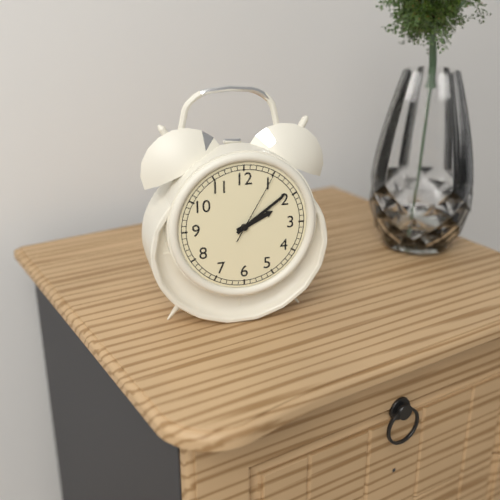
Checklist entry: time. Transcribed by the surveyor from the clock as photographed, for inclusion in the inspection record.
2:09:05
